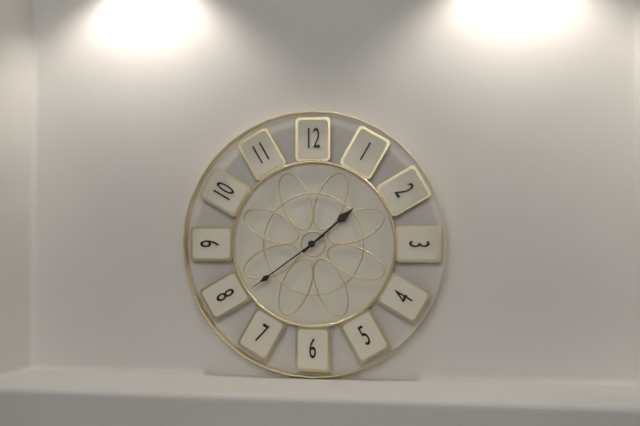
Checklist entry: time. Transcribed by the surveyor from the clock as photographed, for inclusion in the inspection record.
1:39
